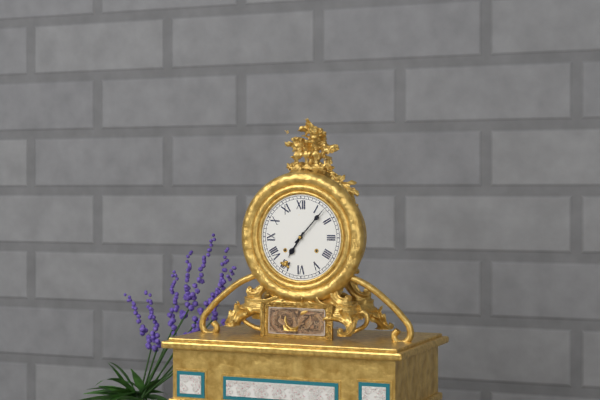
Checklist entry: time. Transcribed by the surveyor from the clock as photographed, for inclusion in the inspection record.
7:07
